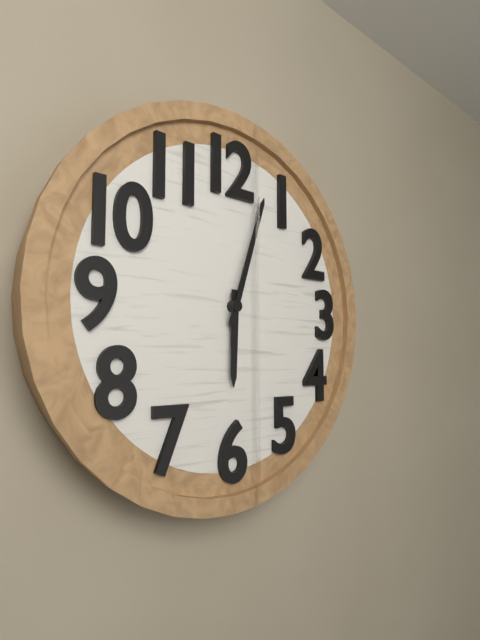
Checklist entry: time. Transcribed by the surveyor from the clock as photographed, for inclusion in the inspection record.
6:03
